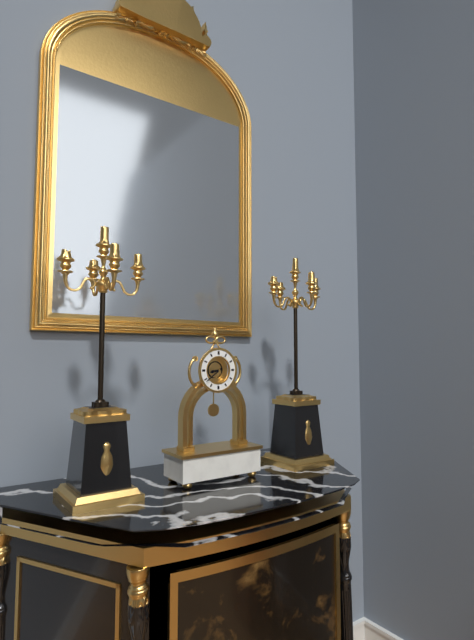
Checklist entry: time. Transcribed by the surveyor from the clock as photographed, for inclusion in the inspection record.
8:39
